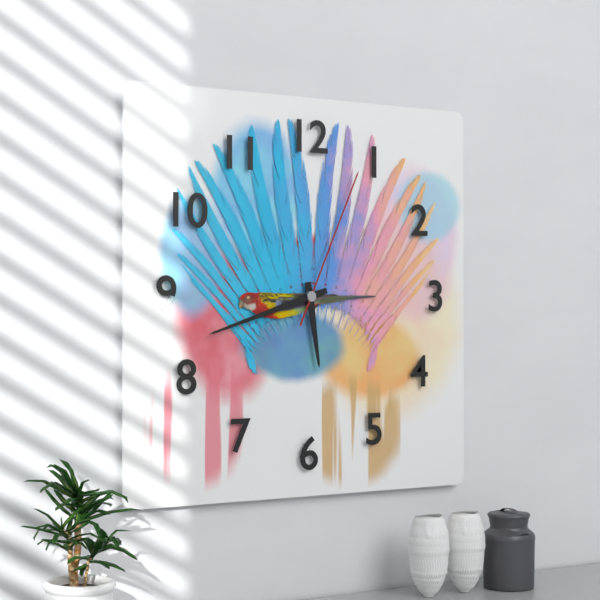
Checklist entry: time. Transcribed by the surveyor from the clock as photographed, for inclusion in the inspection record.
5:42:04
